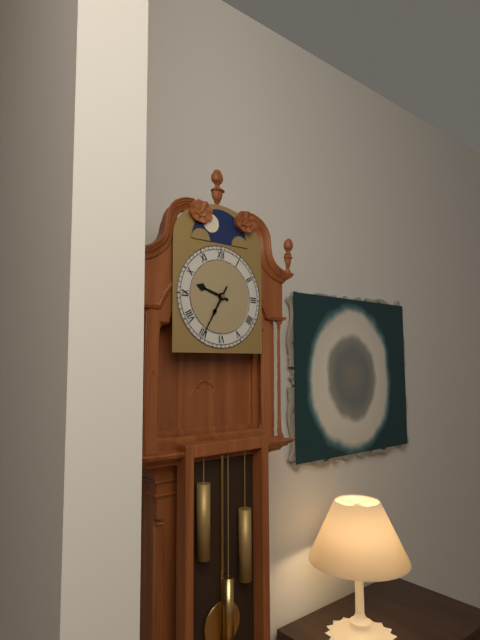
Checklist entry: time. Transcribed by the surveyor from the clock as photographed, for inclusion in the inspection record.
9:35
